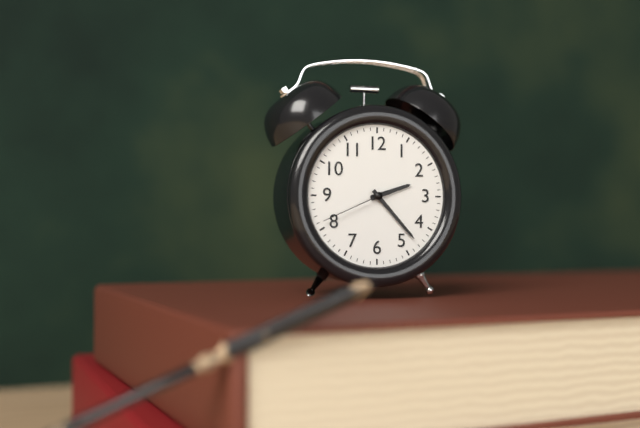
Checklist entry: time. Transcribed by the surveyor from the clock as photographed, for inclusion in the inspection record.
2:23:41
